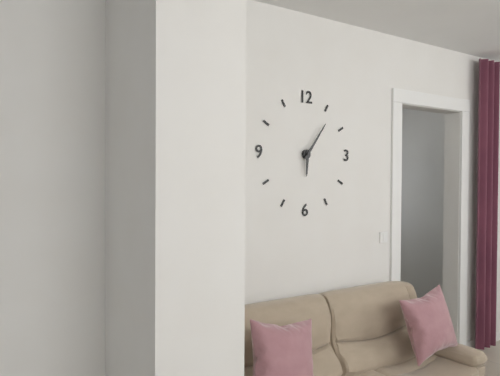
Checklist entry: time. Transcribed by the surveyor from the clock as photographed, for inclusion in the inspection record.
6:06
